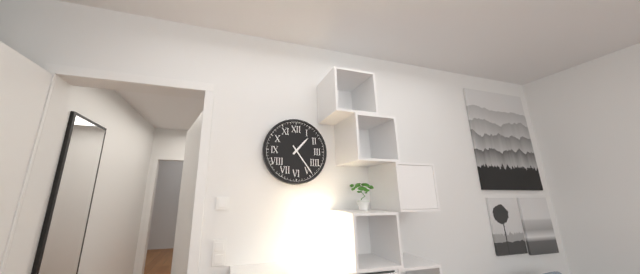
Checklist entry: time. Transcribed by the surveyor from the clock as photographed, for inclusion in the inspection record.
1:24
